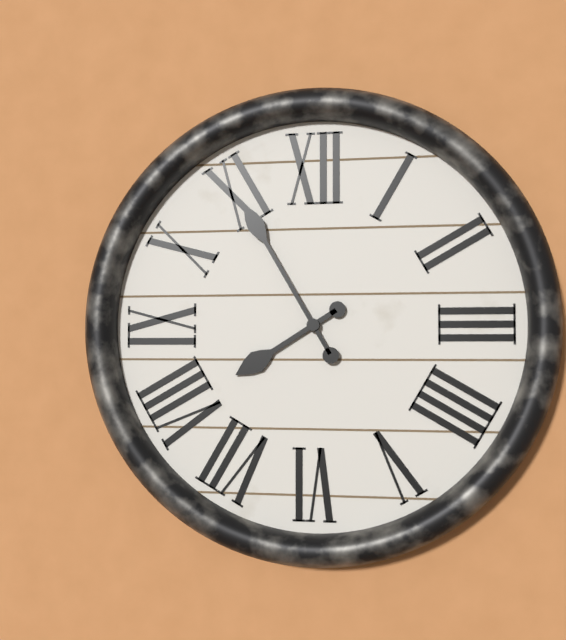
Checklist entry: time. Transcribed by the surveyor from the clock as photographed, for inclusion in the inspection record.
7:55
